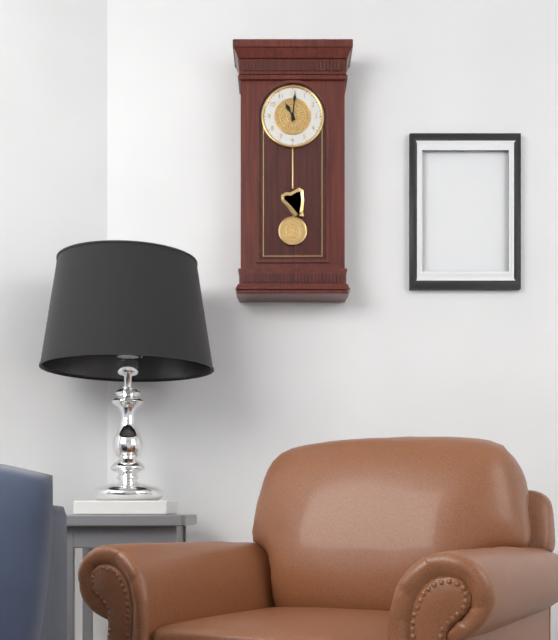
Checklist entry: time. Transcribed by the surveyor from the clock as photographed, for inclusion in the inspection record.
11:01
